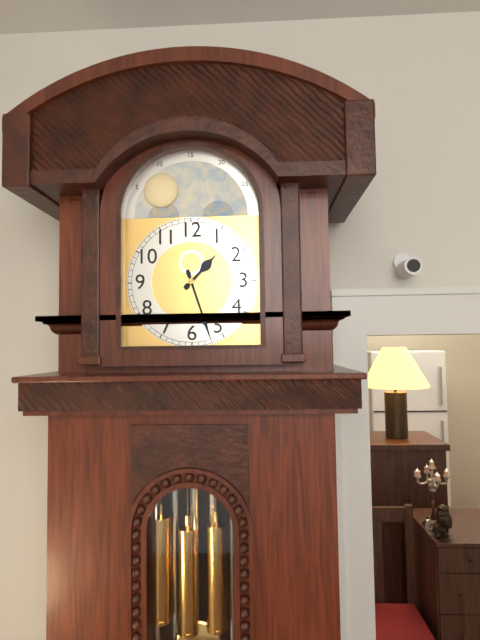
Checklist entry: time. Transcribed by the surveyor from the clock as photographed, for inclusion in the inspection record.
1:27
